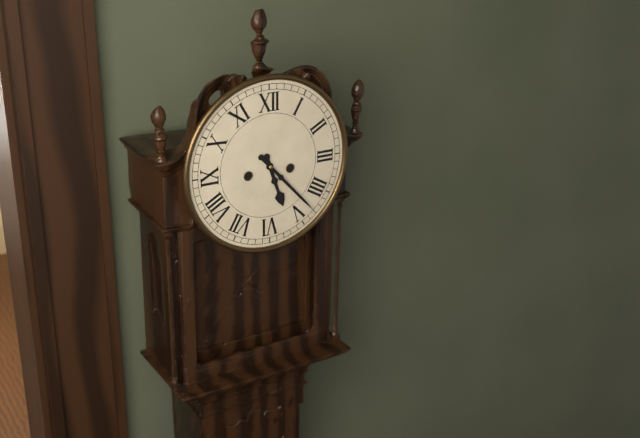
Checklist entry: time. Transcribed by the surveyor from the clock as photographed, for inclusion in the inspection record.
5:23
